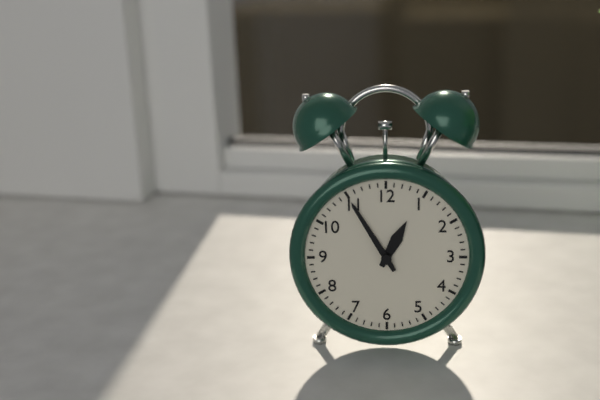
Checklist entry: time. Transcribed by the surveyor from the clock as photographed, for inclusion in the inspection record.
12:55
